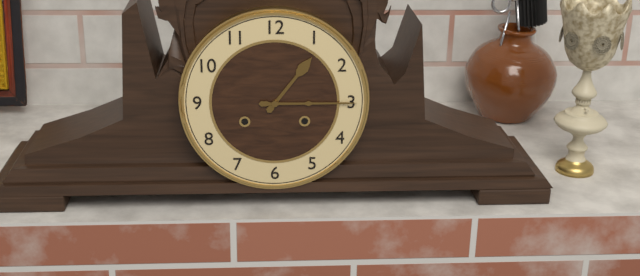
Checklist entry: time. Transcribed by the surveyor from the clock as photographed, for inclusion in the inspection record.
1:15
